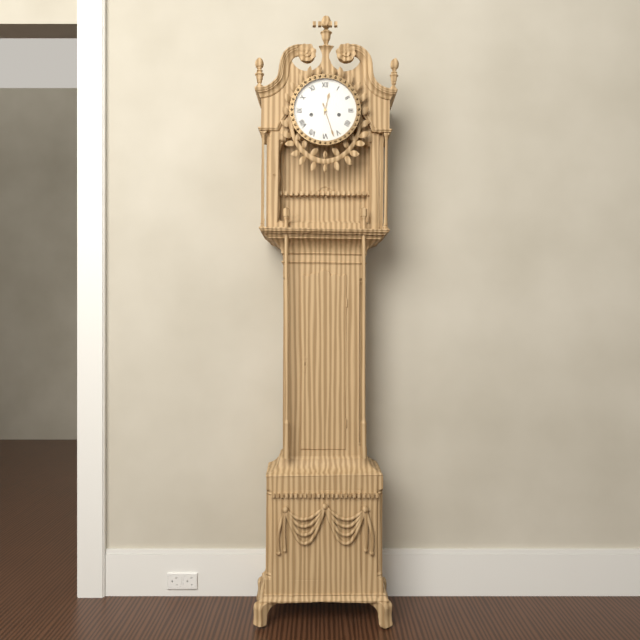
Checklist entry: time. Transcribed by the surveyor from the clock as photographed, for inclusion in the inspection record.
12:27
